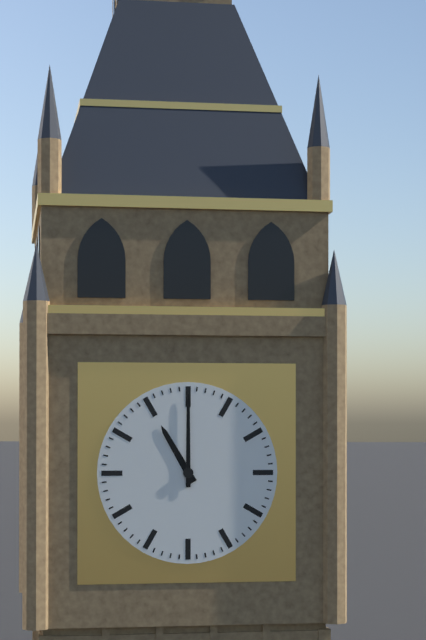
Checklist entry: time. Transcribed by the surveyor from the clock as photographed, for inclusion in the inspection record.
11:00
